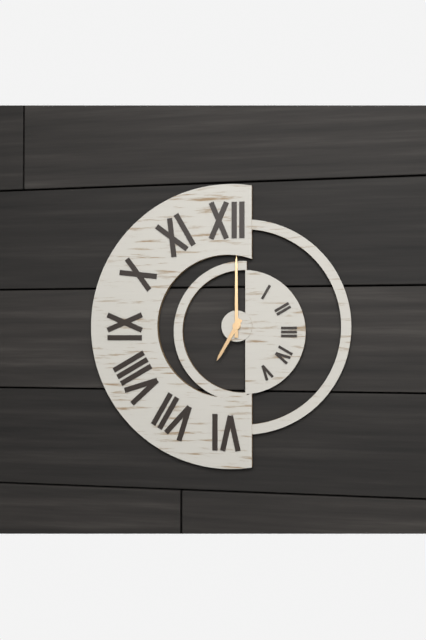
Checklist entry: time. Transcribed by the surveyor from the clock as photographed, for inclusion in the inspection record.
7:00
